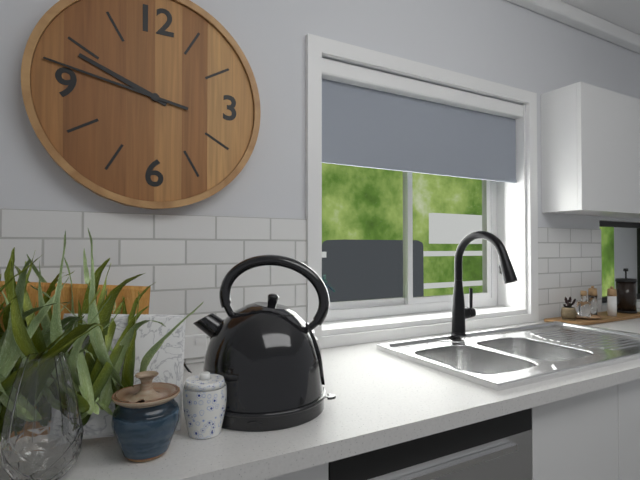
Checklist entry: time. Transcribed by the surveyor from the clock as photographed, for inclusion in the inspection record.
9:47
